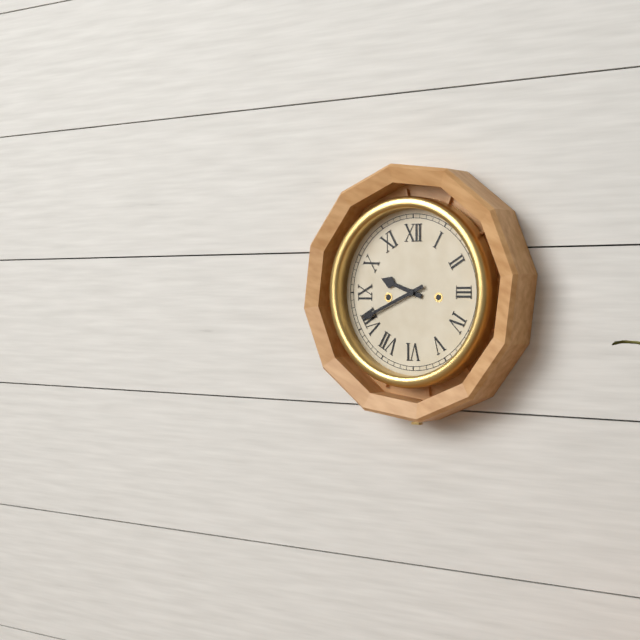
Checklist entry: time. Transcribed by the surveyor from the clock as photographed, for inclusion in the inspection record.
9:41
